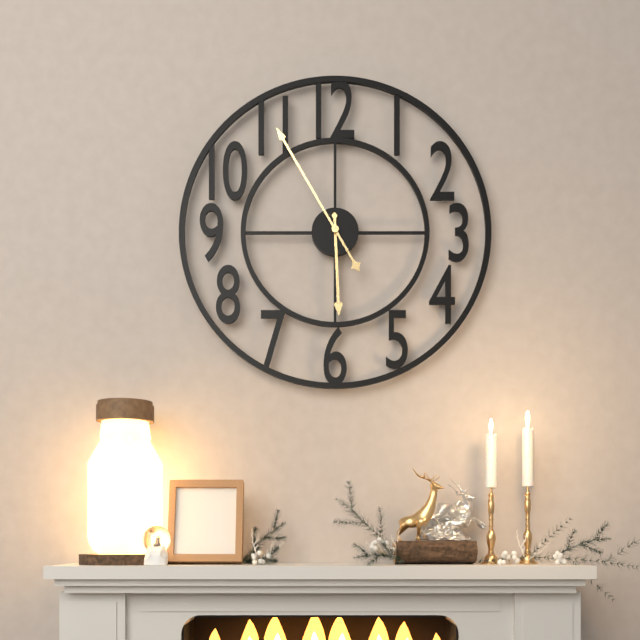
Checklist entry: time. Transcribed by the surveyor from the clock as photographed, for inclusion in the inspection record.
5:55
